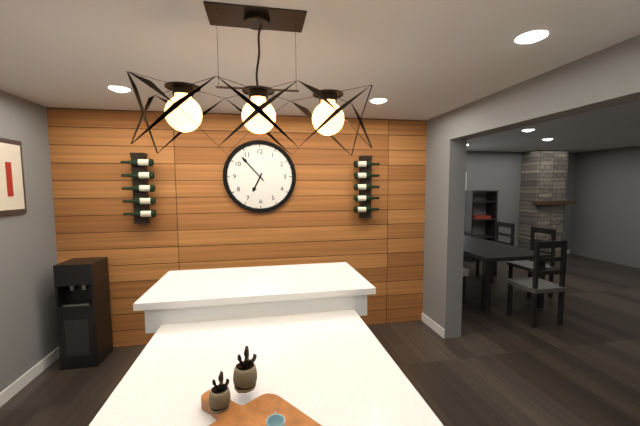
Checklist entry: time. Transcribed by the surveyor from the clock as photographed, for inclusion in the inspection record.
6:53
